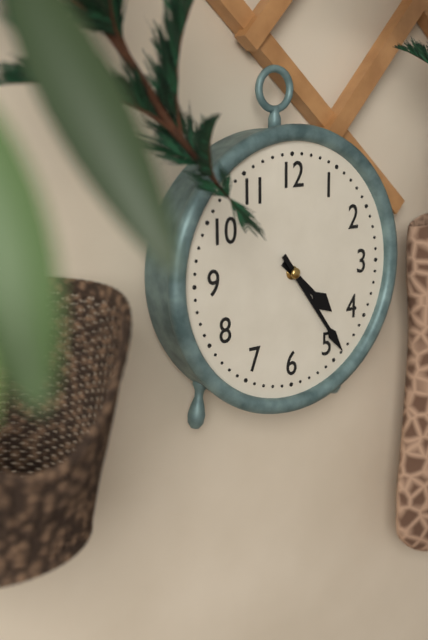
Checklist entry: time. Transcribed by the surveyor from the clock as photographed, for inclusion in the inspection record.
4:24
